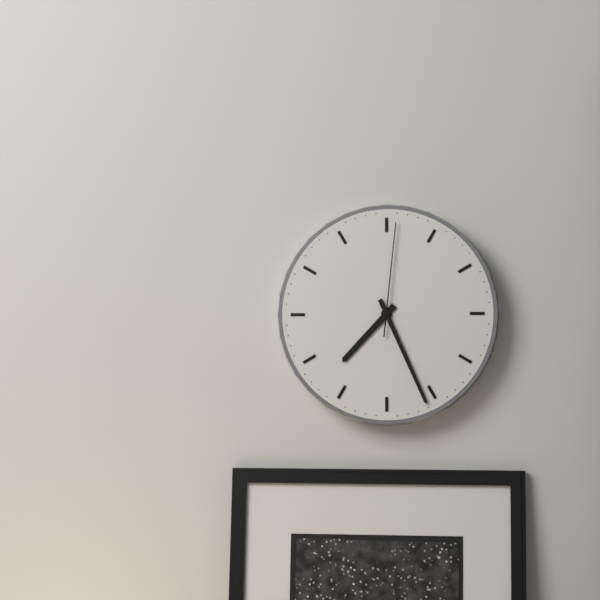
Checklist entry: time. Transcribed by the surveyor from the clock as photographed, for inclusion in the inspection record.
7:26:01
